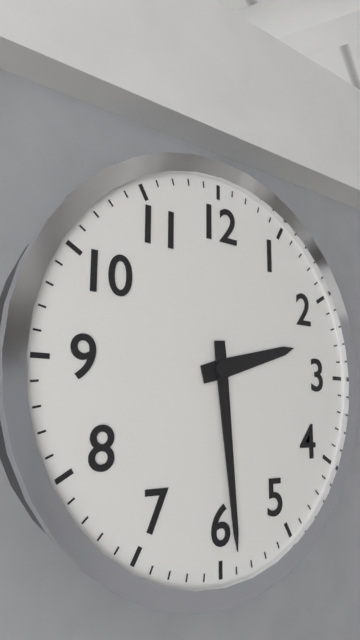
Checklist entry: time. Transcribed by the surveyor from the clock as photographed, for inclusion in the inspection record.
2:29
